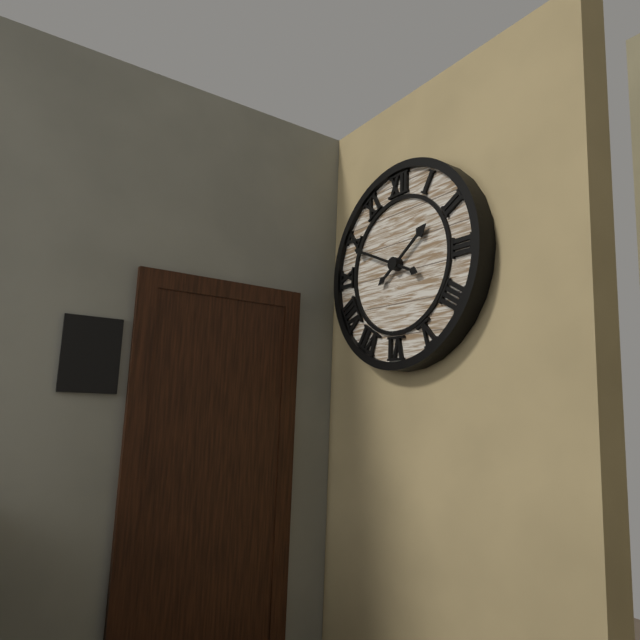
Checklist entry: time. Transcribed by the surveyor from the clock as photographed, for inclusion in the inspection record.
1:49
